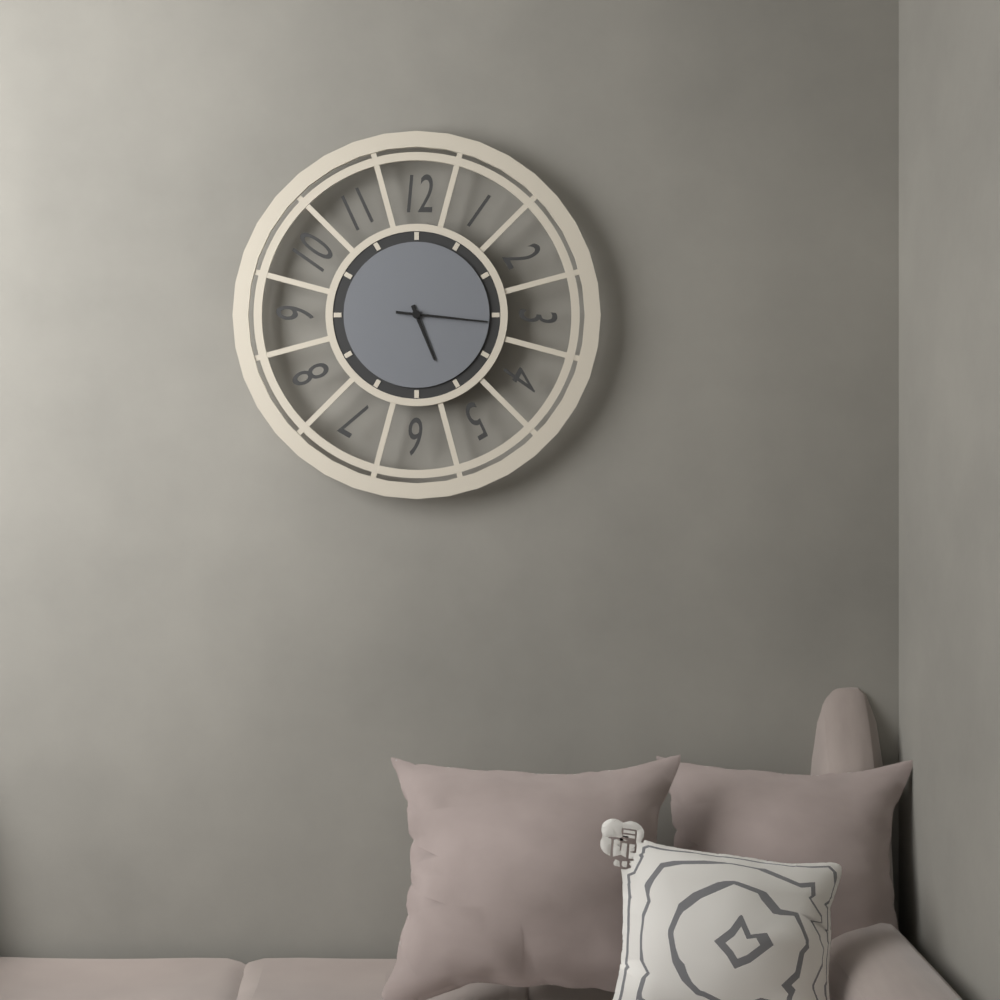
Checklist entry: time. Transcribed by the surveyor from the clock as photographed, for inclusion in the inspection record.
5:16
